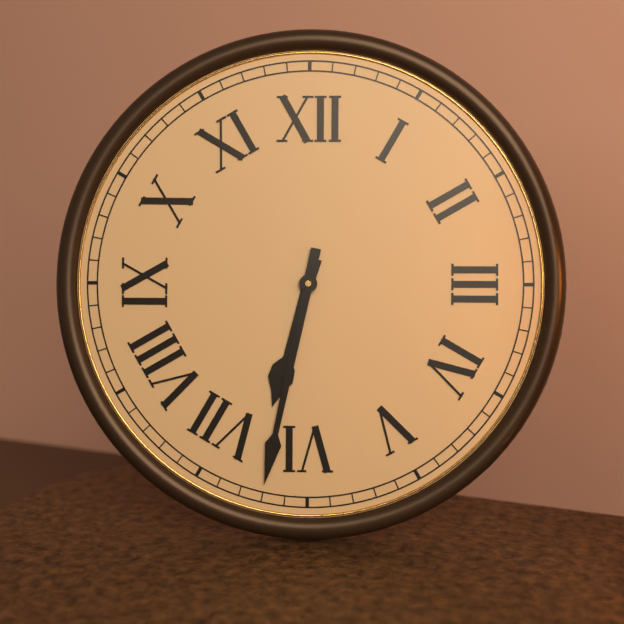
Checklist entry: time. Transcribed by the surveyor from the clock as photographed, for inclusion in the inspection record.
6:32
